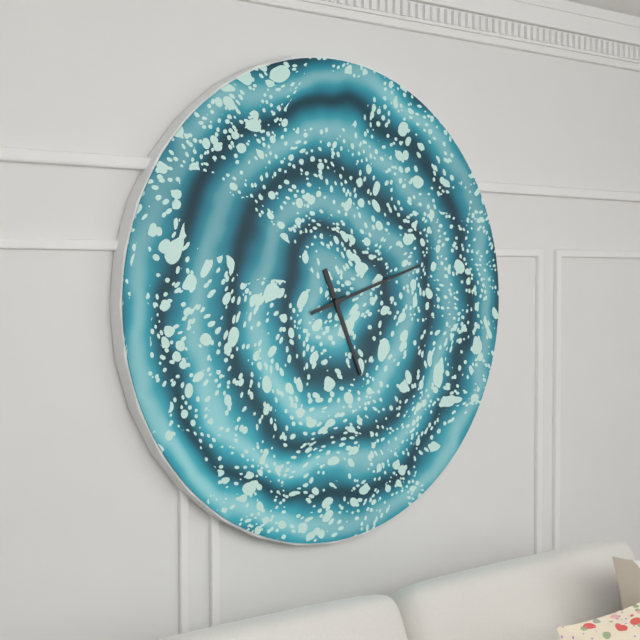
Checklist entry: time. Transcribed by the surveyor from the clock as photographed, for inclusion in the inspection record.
5:12
